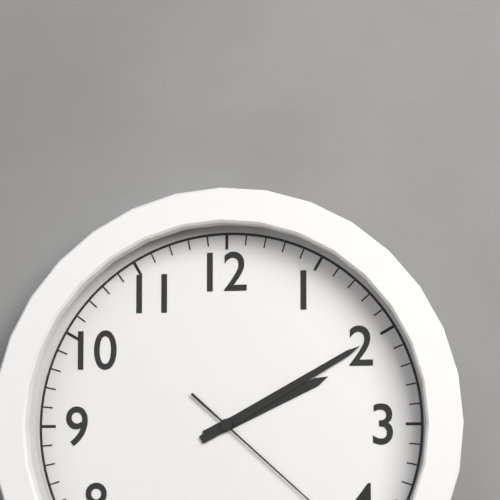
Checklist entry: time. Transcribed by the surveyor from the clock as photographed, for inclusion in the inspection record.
2:10
